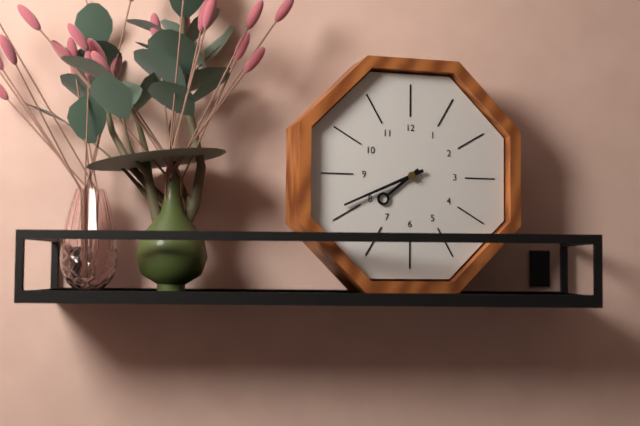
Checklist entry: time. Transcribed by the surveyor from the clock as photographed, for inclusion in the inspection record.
7:41
